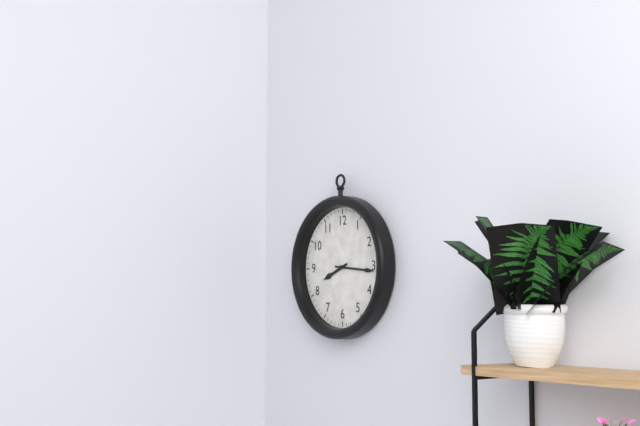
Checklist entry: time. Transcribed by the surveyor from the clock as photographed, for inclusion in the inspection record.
8:16
